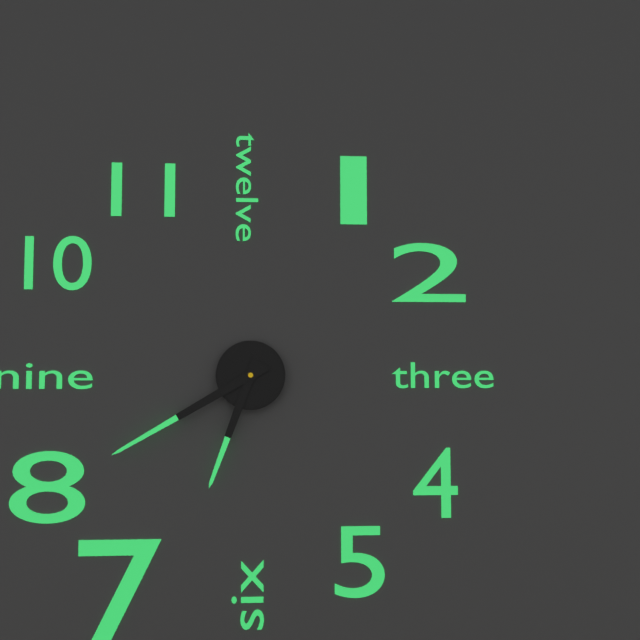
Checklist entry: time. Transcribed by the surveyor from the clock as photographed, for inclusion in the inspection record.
6:40
